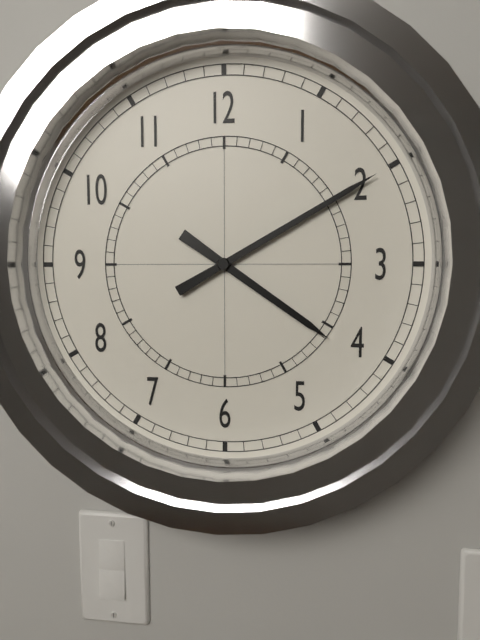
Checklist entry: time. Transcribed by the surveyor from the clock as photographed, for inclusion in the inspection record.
4:10
